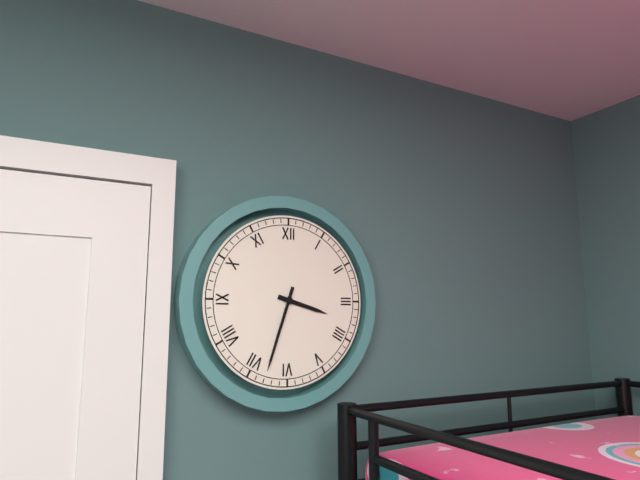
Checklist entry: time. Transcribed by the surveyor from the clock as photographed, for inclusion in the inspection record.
3:33
